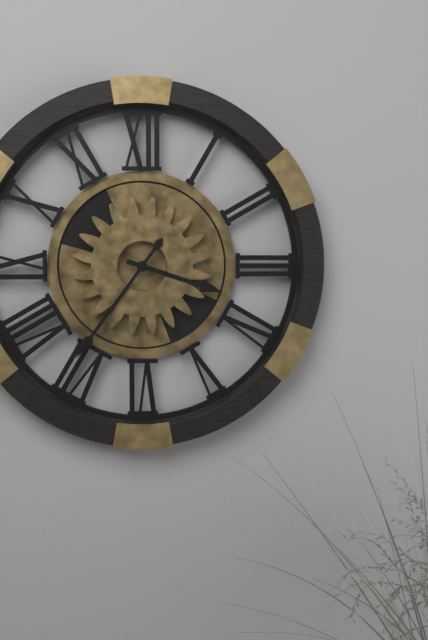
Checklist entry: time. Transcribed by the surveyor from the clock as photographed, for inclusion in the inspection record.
3:36
